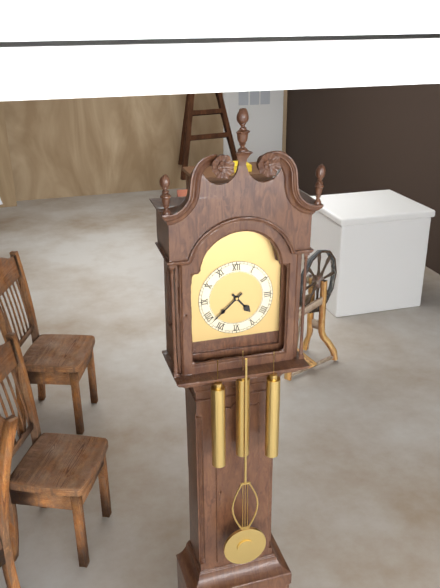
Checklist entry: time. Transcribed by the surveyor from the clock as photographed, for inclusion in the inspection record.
4:38
